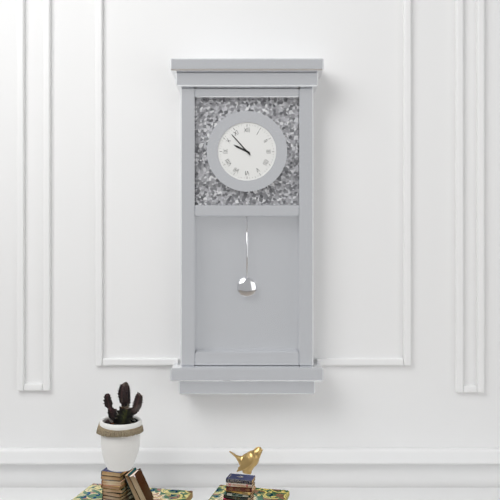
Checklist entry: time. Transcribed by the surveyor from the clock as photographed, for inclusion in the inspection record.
9:53
